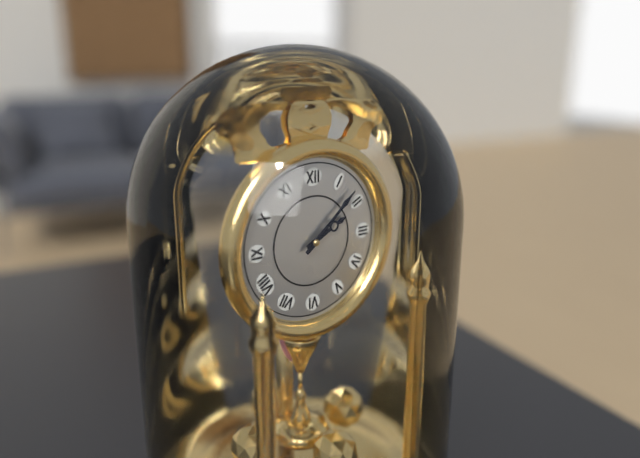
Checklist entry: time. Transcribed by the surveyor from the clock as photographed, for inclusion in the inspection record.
2:08
